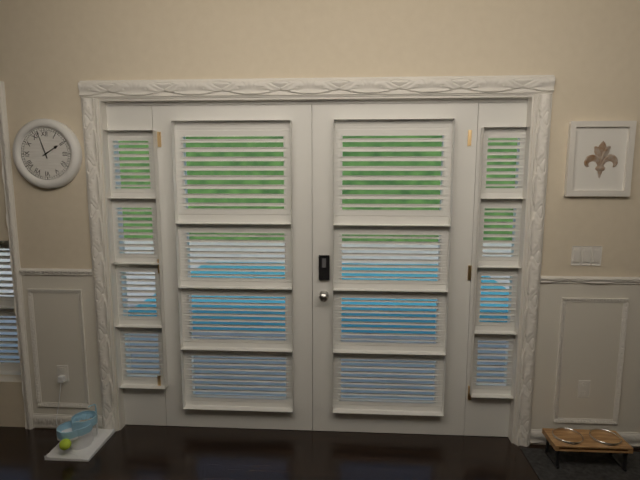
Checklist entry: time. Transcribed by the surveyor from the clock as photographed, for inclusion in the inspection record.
1:57
